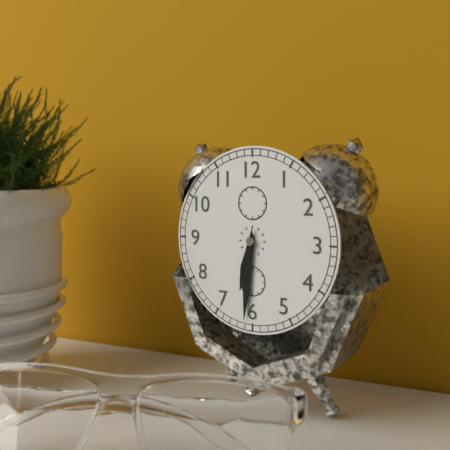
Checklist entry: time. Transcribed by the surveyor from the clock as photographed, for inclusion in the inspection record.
6:31
